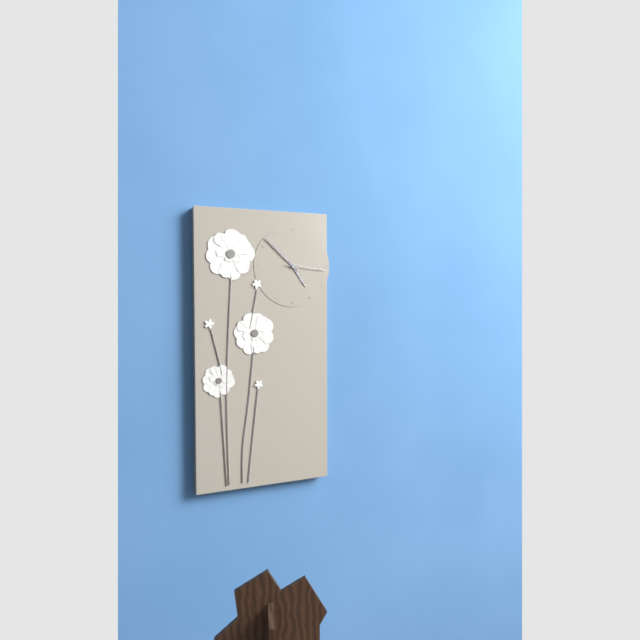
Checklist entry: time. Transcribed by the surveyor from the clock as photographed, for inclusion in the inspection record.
4:52
